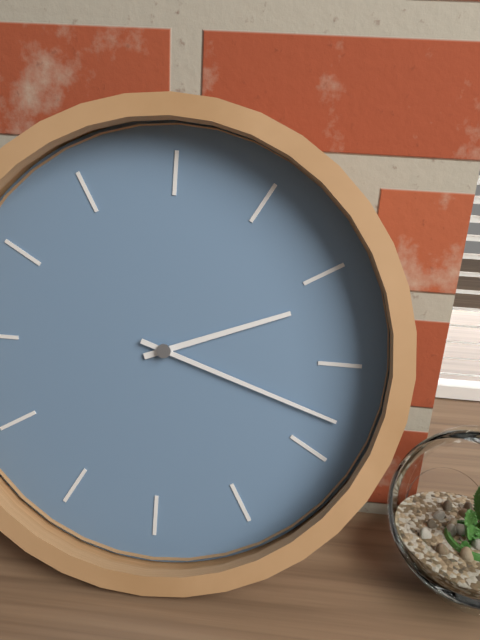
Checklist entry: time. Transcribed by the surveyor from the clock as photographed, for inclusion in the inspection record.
2:18
